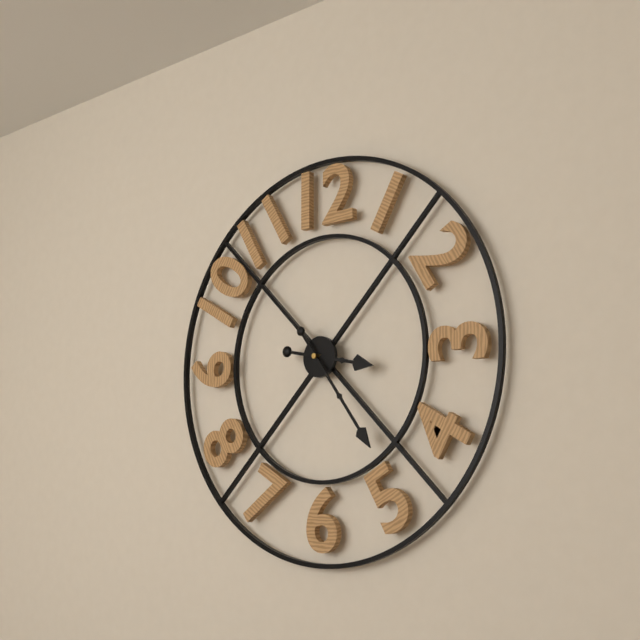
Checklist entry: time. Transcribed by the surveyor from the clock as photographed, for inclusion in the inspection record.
3:24
